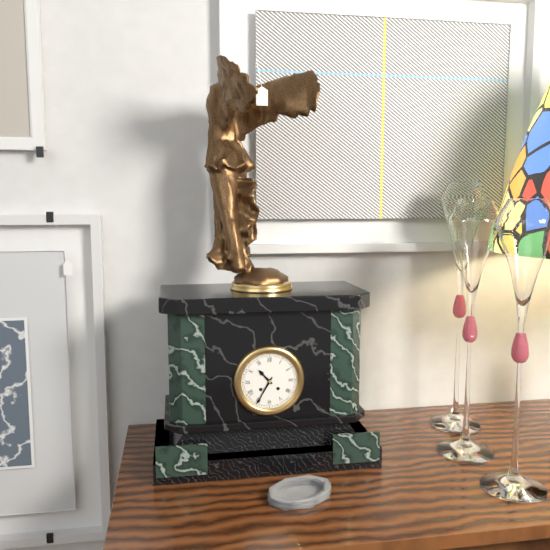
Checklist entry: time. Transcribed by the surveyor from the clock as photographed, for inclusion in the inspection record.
10:35
